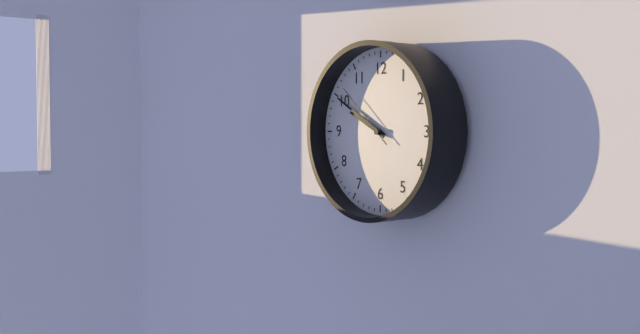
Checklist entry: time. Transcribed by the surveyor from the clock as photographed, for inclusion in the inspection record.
9:50:52
